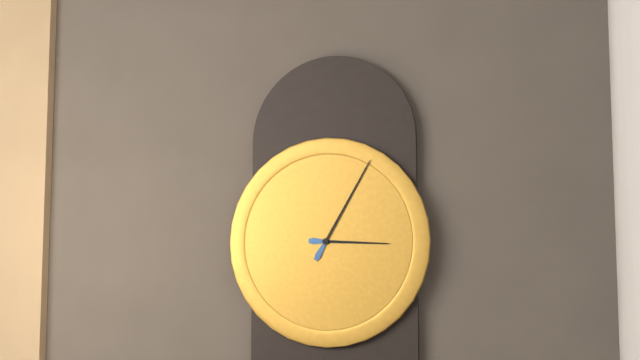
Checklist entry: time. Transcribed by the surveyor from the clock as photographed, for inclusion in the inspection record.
3:05
